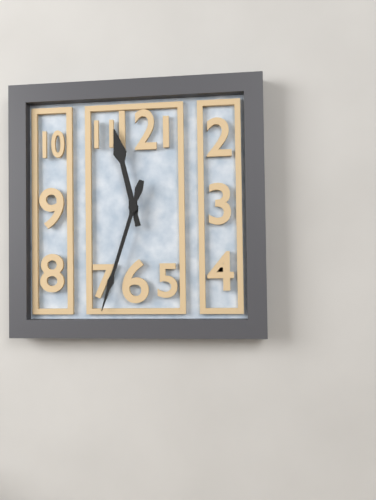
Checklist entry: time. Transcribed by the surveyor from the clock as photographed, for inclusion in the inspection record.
11:33
